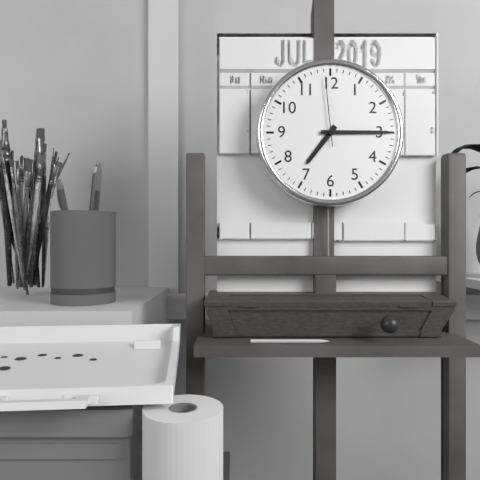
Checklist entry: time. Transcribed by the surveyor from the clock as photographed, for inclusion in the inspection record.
7:15:59
